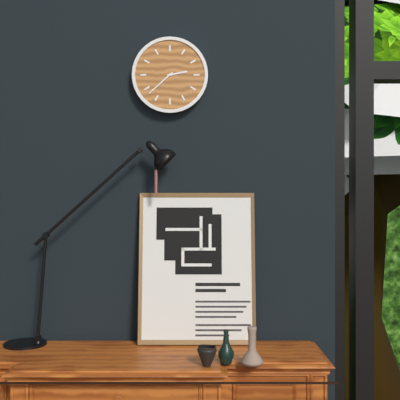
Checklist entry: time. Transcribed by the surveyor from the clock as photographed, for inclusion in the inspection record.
2:38
